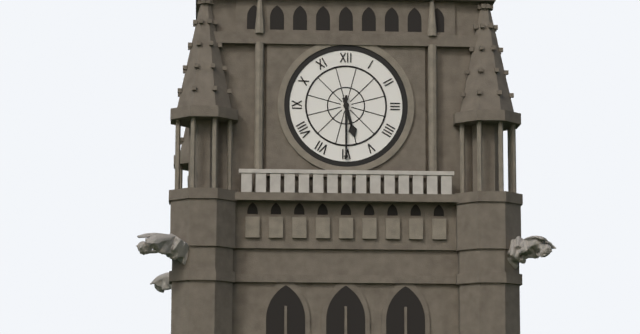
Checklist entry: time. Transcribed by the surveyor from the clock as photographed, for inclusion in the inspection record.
5:30
